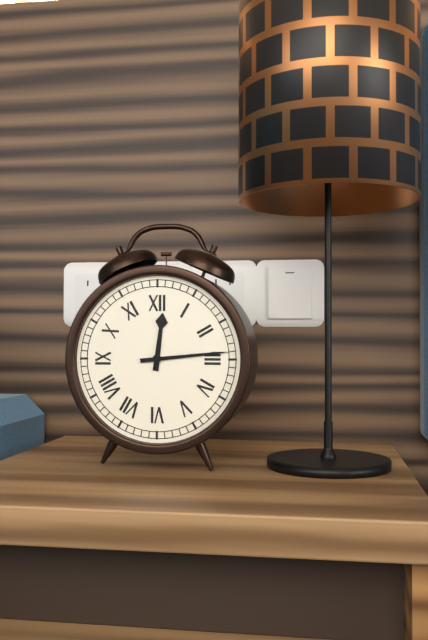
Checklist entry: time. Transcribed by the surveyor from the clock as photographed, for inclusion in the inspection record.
12:14
